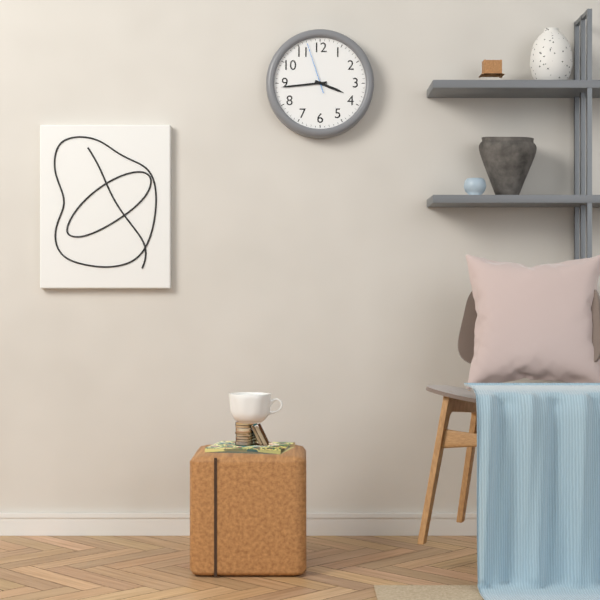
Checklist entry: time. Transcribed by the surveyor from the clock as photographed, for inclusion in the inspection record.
3:44:57
